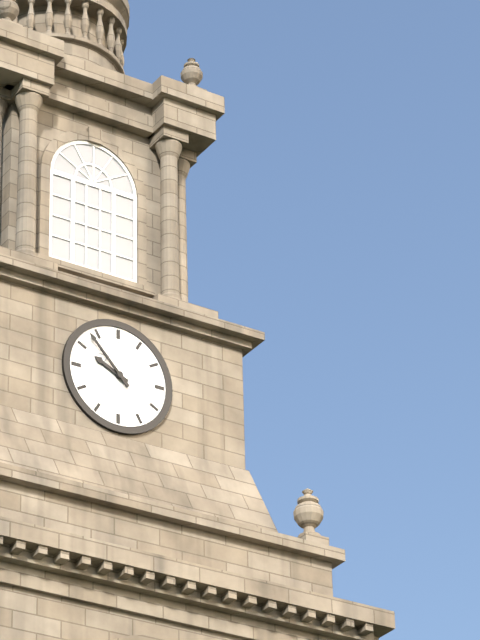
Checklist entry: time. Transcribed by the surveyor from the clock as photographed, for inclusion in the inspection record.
9:53
